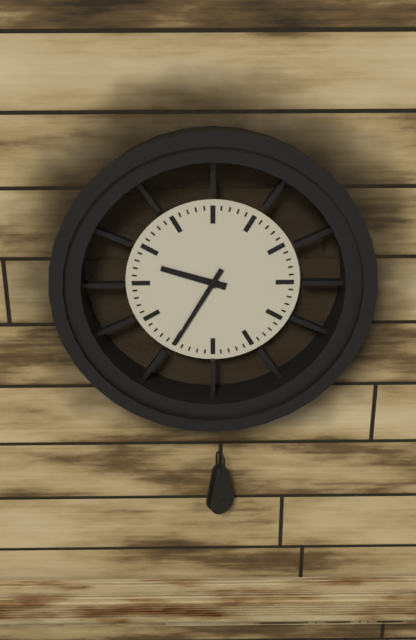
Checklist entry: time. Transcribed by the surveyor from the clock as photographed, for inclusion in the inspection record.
9:35
